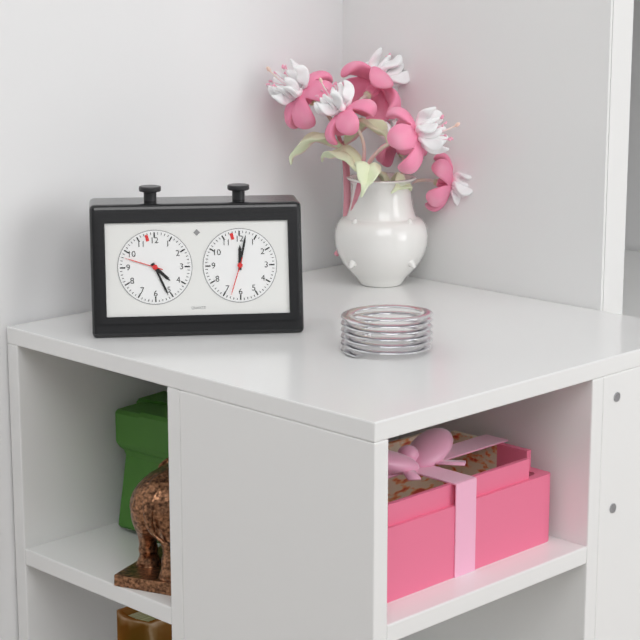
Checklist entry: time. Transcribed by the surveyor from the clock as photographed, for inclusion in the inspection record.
4:26
